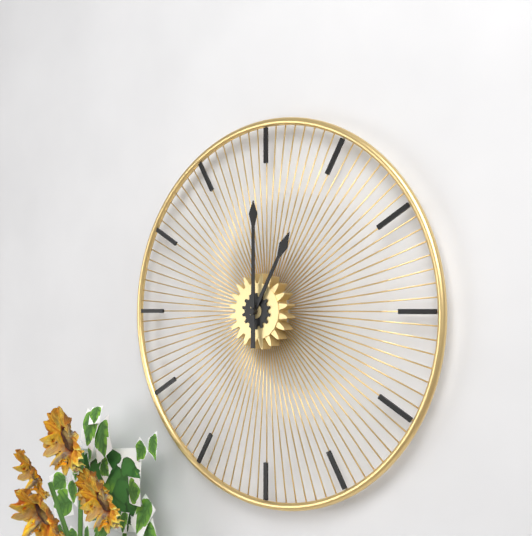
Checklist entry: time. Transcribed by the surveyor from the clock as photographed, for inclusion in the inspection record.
1:00
